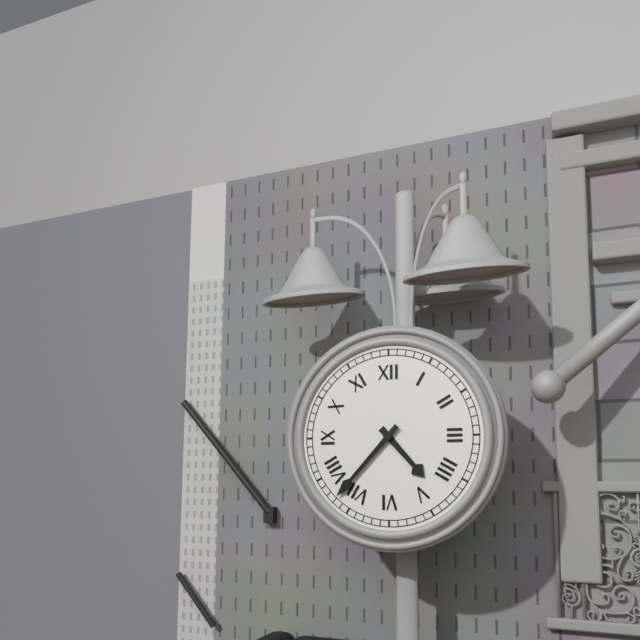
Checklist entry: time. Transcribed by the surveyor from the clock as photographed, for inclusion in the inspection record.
4:37
